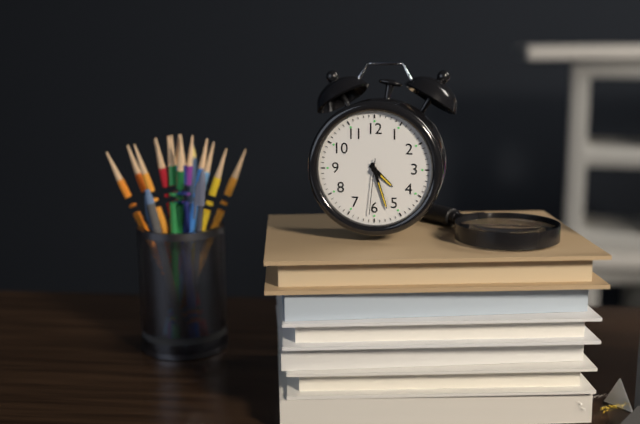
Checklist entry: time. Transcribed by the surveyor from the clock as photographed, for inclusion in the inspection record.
4:27:31
